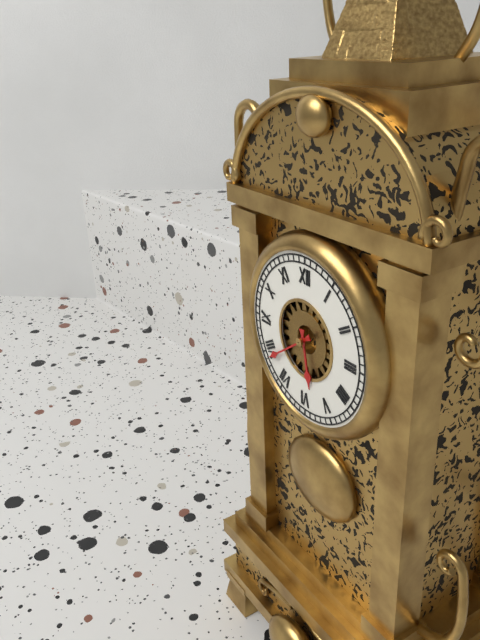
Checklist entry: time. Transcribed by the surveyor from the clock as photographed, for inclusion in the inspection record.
5:39
